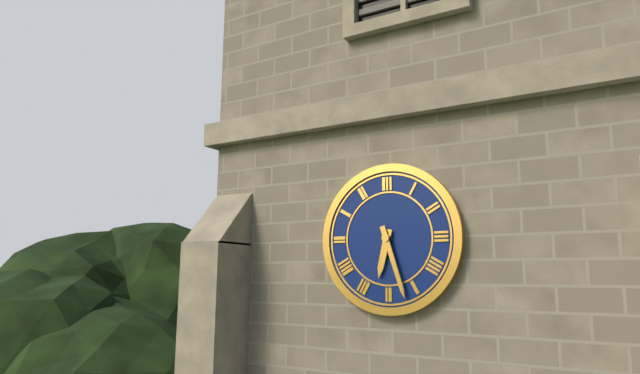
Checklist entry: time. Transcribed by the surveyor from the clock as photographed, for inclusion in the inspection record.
6:27
